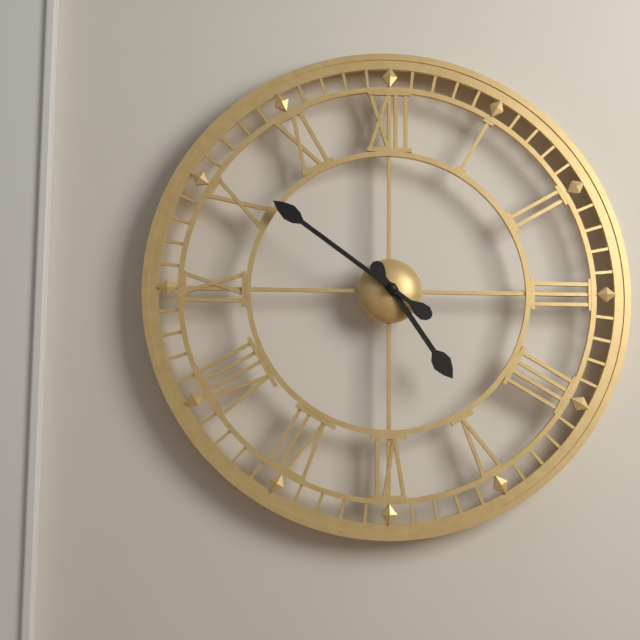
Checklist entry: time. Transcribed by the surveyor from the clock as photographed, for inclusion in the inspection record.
4:51
